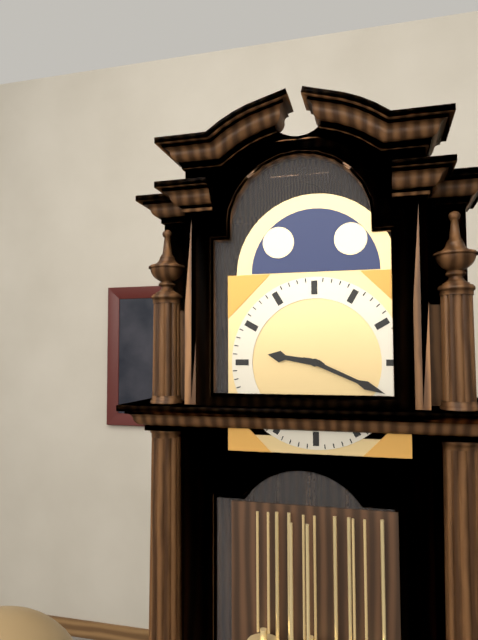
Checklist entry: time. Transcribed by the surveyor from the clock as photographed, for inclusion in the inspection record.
9:19
